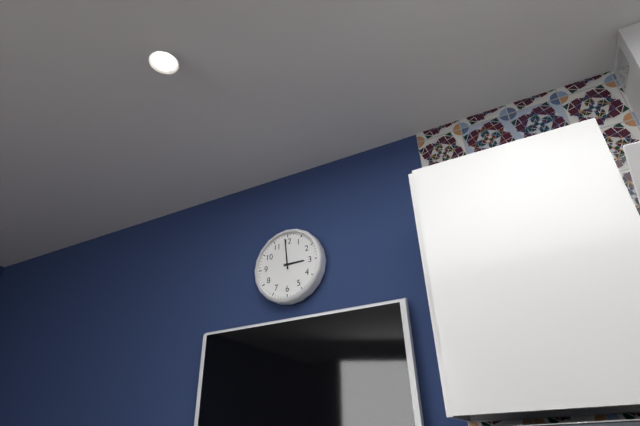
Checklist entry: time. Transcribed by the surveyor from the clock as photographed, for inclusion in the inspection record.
2:59
